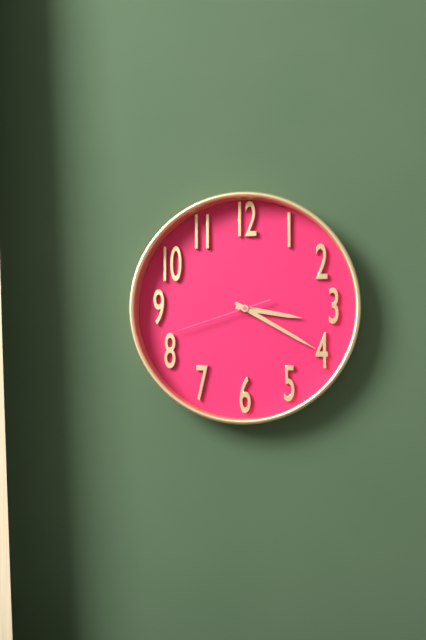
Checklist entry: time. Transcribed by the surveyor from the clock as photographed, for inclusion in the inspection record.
3:20:42
